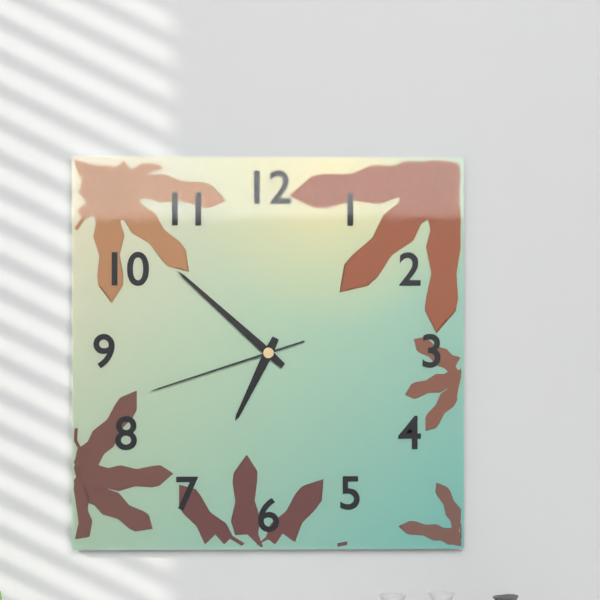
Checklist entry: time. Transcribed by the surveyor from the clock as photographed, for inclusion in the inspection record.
6:52:42
